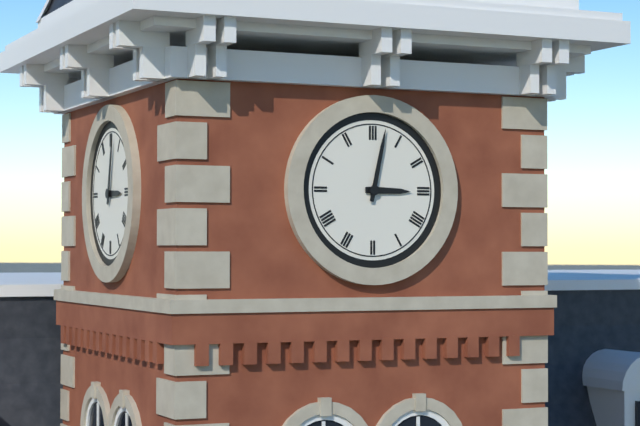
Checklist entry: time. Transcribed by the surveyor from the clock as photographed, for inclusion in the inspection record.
3:02
